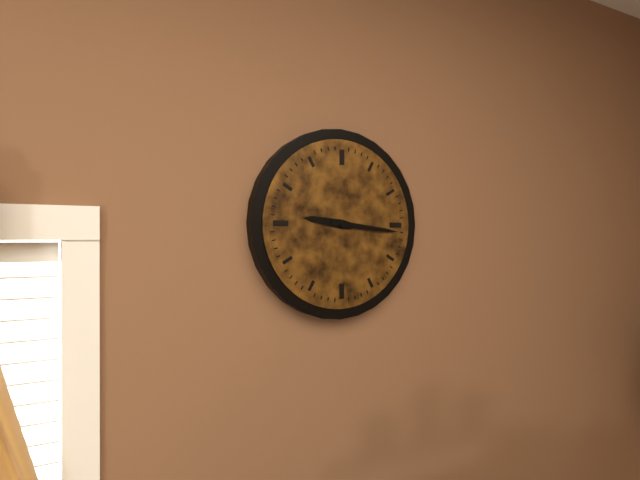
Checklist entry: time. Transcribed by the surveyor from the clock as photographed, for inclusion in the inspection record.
9:16
